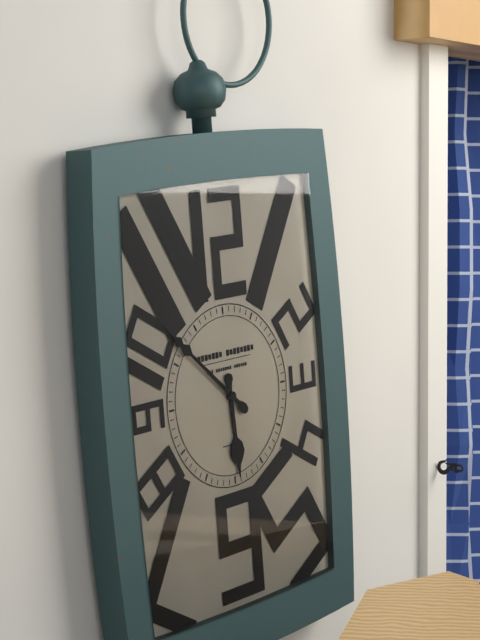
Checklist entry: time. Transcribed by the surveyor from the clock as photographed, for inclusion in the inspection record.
5:52
